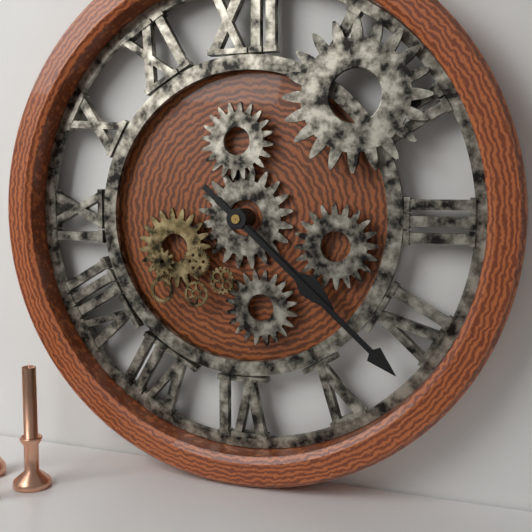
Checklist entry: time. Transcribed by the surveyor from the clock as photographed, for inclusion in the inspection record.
4:22
